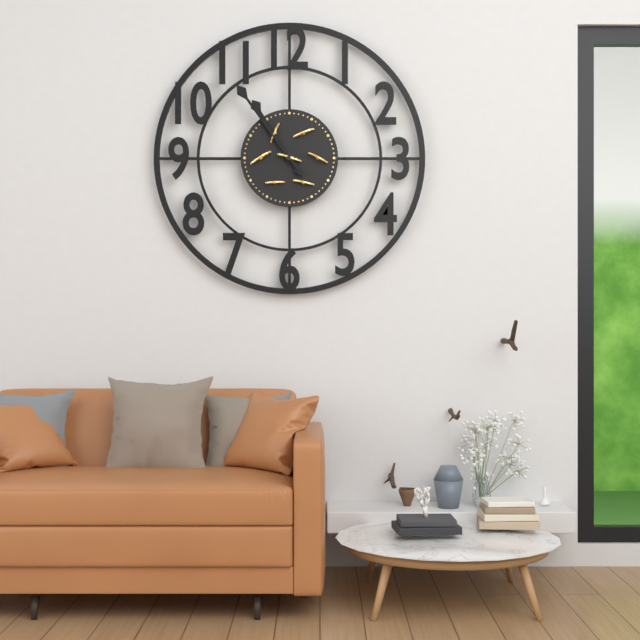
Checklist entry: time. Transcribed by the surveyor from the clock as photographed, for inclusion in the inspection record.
10:54
